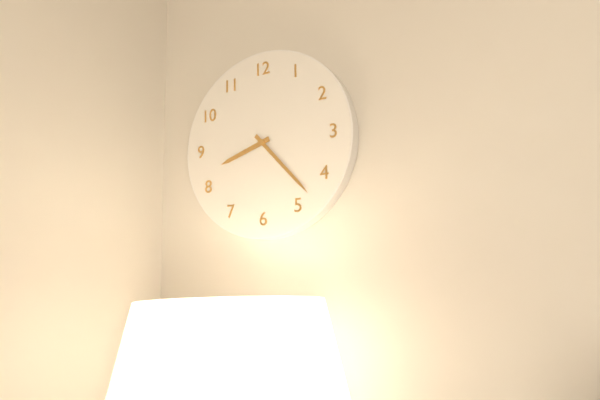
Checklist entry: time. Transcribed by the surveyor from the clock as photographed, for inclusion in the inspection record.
8:23
